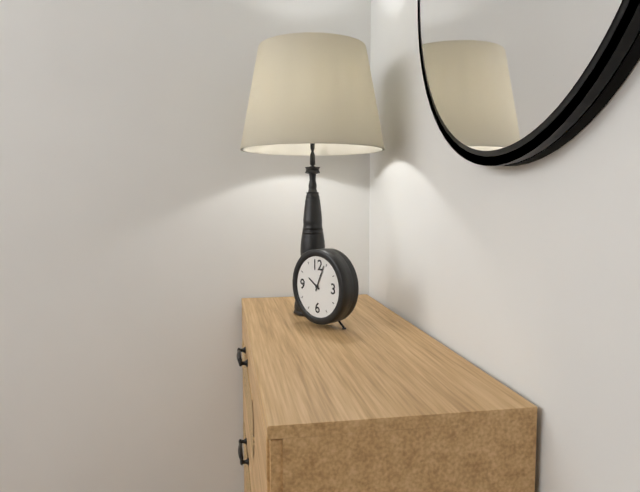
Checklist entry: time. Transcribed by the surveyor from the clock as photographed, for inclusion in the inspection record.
10:04
